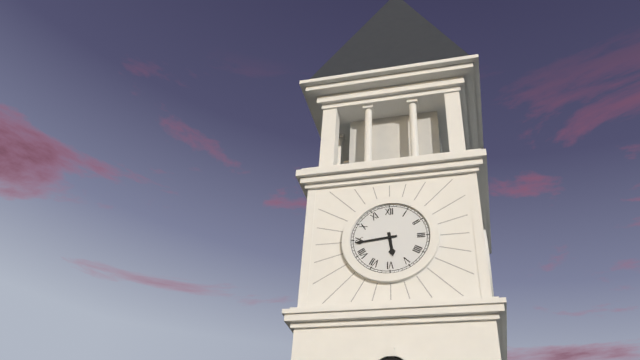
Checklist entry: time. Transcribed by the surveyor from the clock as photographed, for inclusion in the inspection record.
5:44
